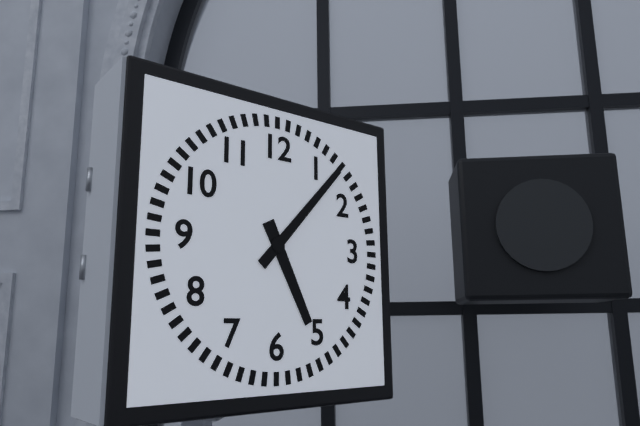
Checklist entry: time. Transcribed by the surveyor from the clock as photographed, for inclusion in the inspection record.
5:07
